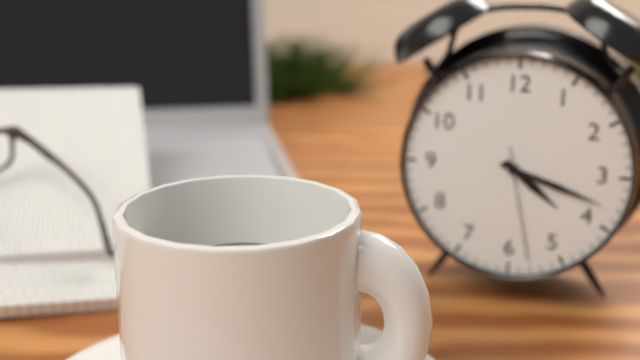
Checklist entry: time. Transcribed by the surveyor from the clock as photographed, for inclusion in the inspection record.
4:18:28
